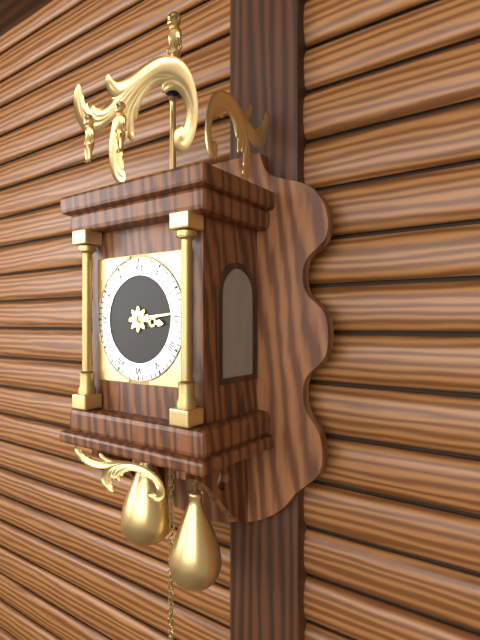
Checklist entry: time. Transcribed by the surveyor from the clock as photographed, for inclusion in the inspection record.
3:14
